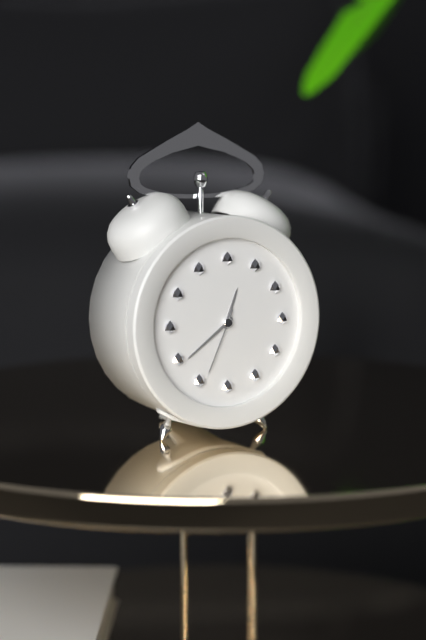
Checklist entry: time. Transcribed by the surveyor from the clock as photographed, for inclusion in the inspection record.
12:39:34
